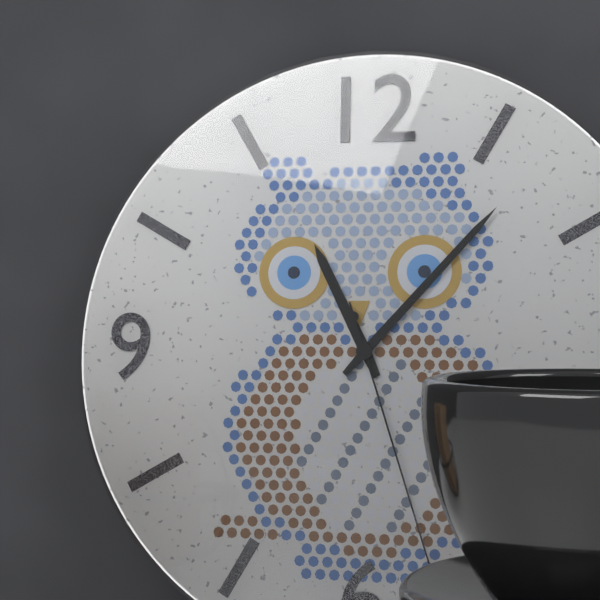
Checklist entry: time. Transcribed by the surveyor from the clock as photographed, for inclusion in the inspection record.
11:07:27
